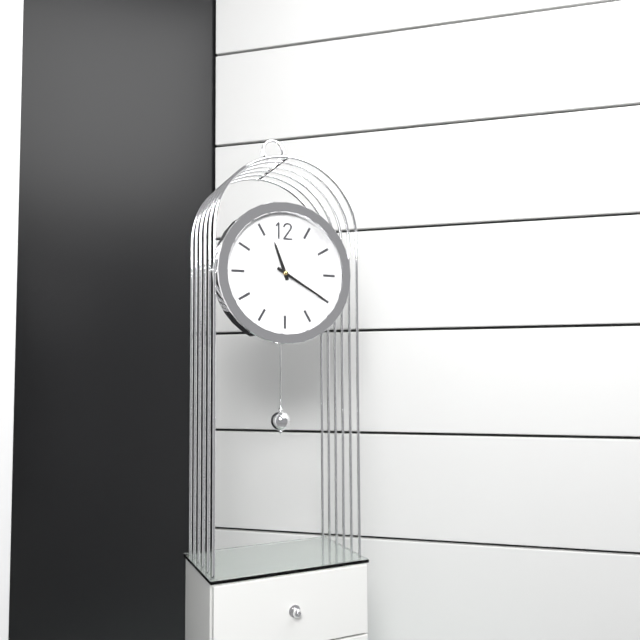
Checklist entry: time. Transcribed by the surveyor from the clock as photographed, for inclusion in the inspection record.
11:20
